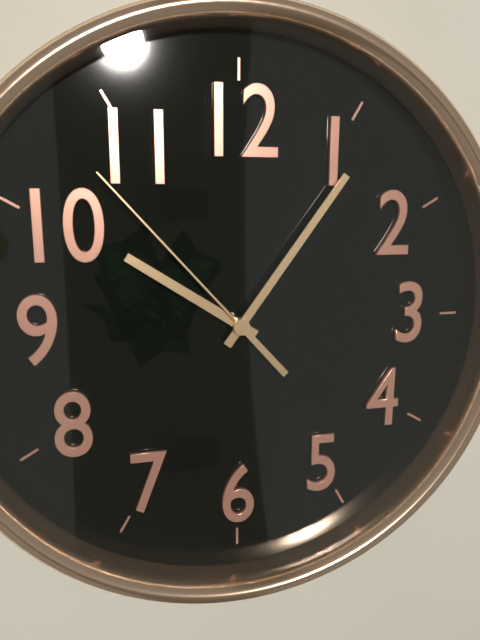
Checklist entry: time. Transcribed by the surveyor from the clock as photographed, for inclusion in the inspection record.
10:06:53
